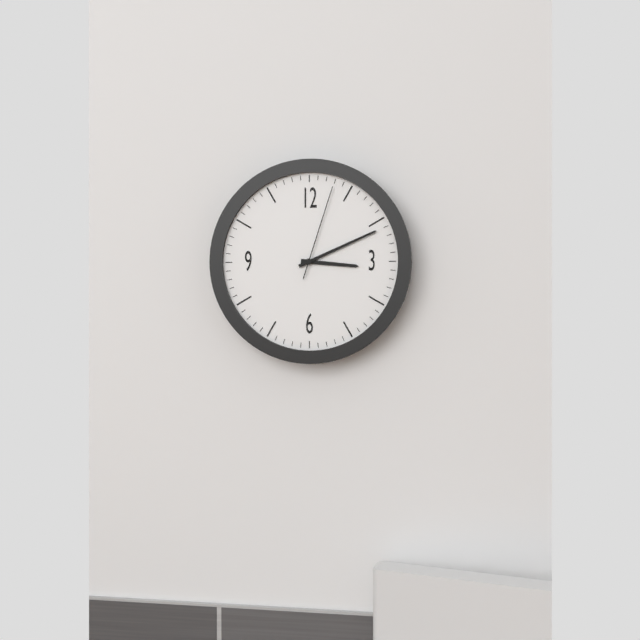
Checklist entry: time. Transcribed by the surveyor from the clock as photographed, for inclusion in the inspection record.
3:11:03
